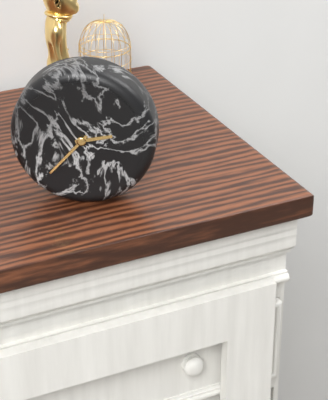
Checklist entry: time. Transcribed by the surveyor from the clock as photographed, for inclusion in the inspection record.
2:37
